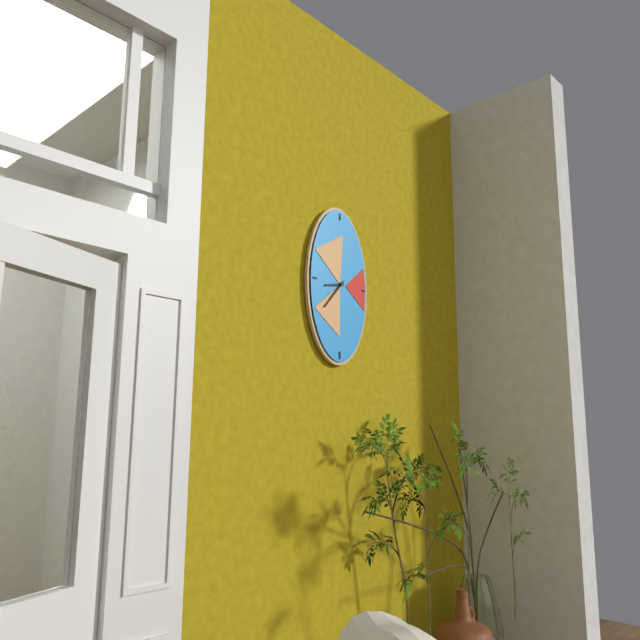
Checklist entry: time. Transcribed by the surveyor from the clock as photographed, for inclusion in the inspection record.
8:37
